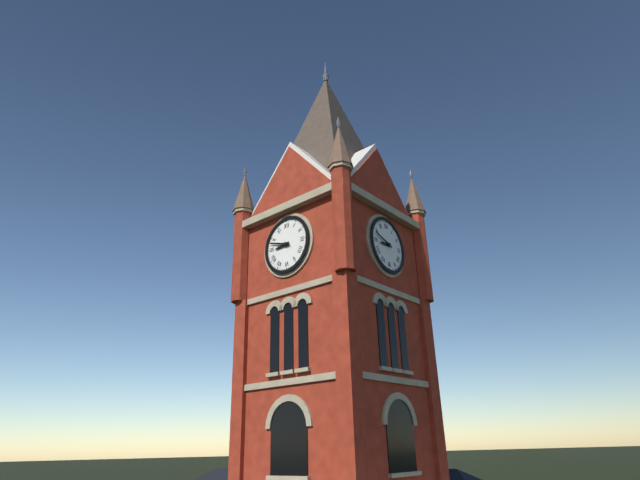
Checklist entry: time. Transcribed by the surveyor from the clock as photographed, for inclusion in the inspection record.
8:48
